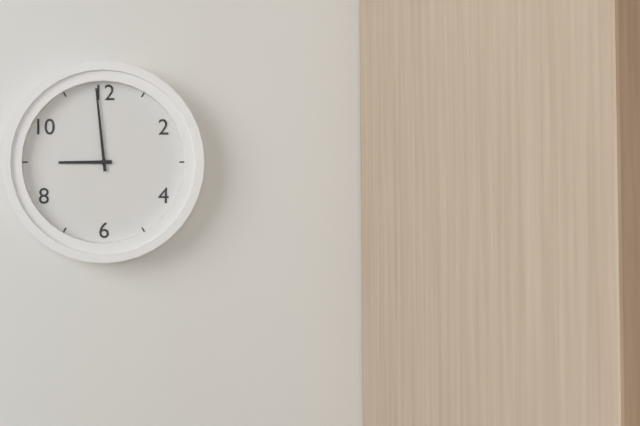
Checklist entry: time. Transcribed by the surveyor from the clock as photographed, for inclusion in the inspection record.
8:59
